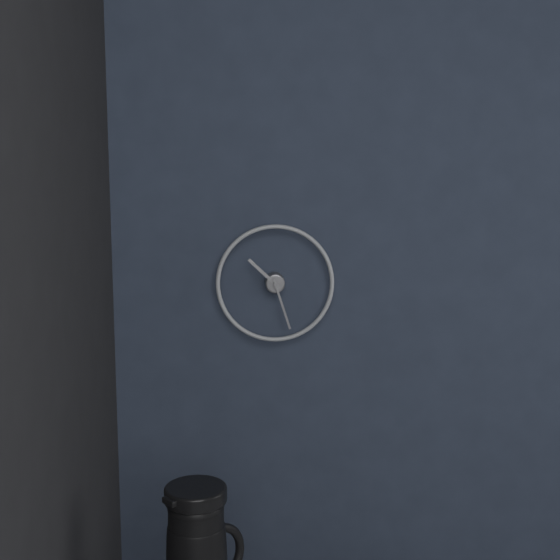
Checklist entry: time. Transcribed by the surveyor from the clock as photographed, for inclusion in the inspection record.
10:27
